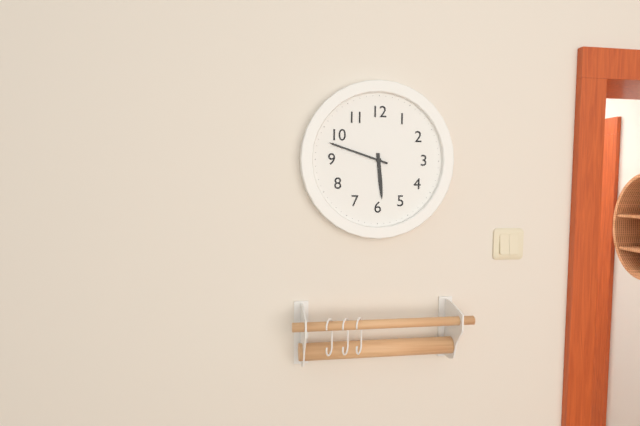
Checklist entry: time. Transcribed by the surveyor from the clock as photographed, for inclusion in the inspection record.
5:48
